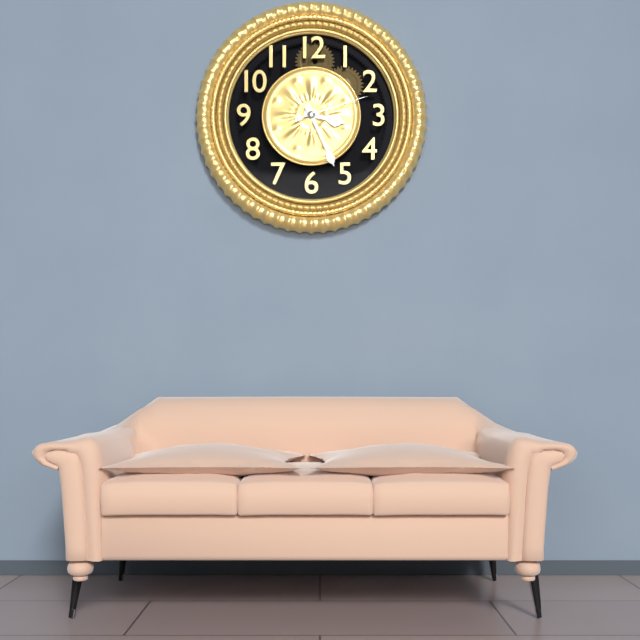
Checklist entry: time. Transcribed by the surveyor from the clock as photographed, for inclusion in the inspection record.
3:26:12
